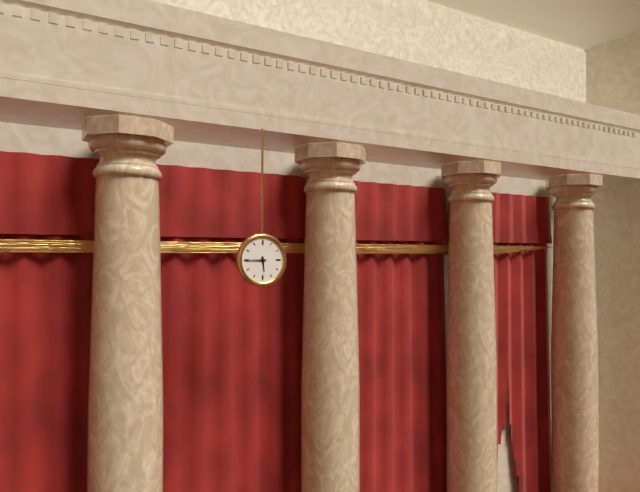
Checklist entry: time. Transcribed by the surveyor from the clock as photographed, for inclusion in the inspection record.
5:45
